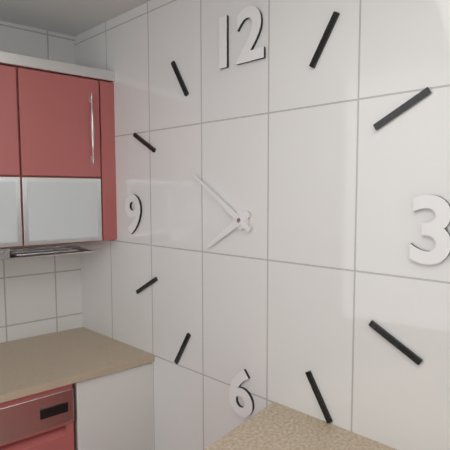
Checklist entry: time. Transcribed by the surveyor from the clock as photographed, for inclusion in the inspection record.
7:51
